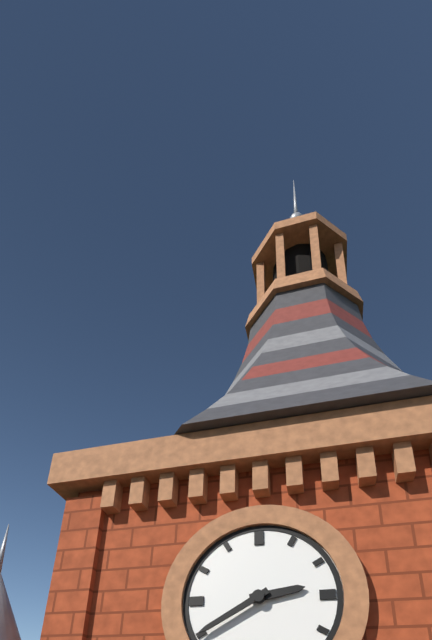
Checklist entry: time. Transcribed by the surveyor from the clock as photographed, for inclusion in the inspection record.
2:40
